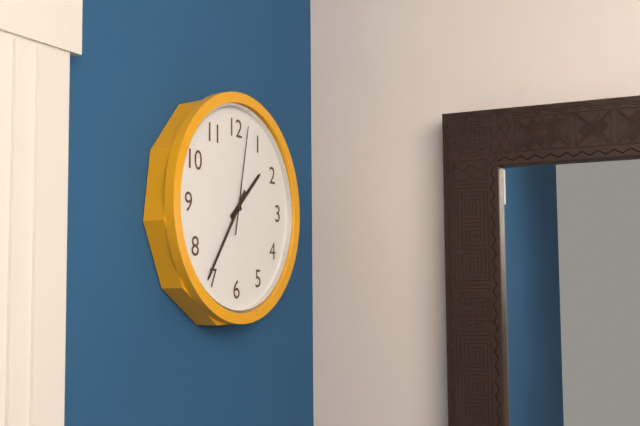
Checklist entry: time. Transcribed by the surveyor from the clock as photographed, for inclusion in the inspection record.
1:36:02
